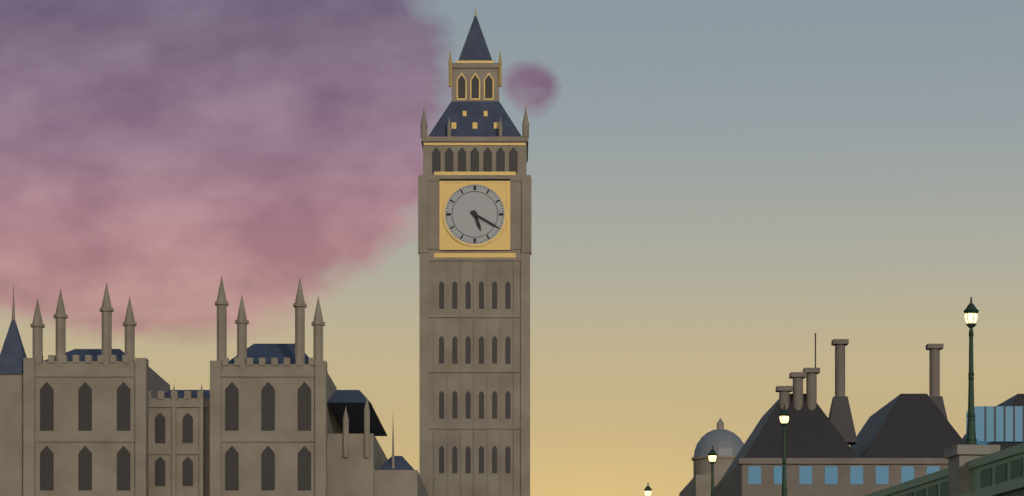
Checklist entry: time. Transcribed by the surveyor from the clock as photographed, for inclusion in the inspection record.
5:20
